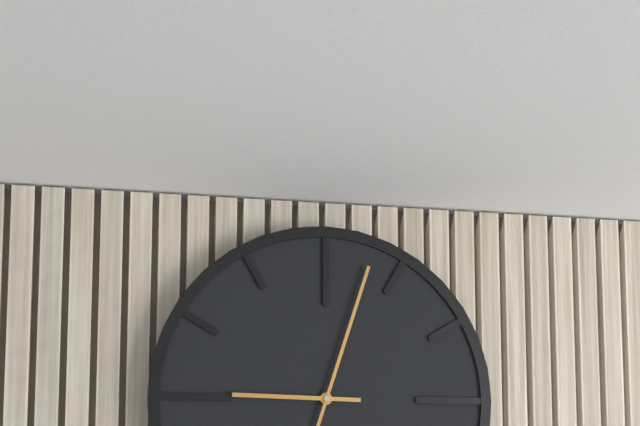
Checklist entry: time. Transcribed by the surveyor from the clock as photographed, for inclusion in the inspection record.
9:03
